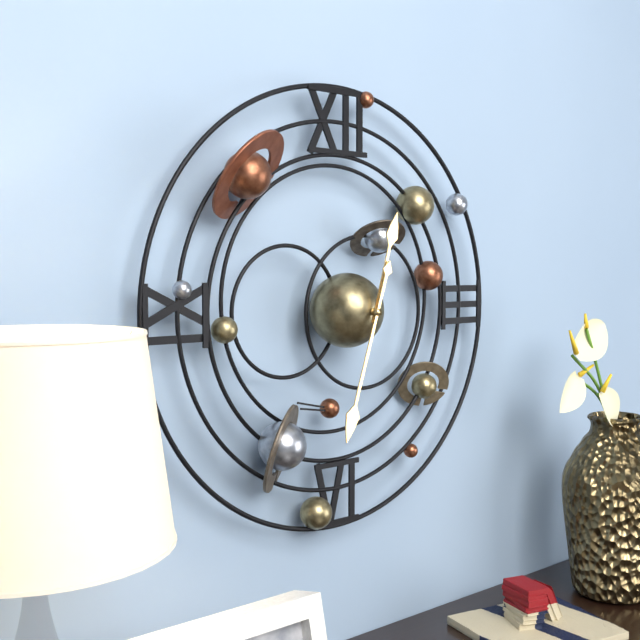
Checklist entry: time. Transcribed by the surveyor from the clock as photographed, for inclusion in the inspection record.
12:33
